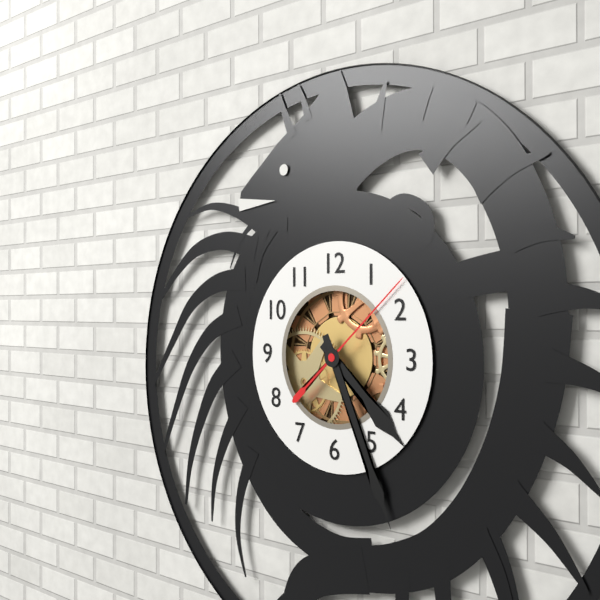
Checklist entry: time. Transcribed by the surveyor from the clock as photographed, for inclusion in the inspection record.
4:26:08
